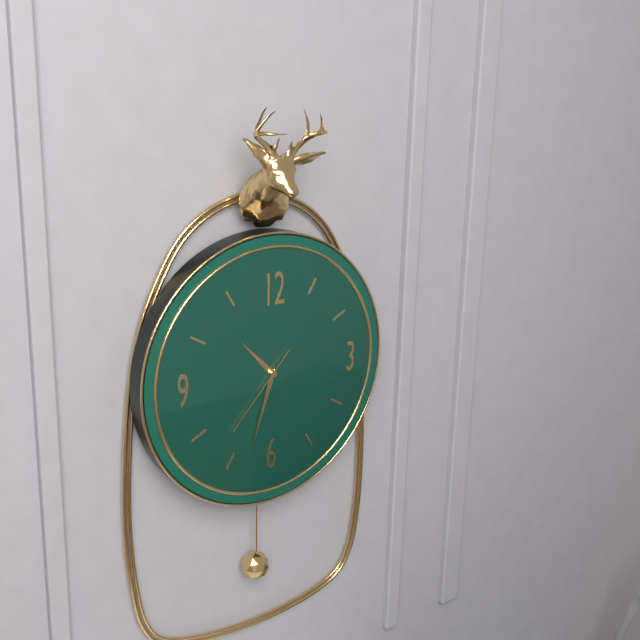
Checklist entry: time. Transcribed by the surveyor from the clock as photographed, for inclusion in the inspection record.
10:33:37
